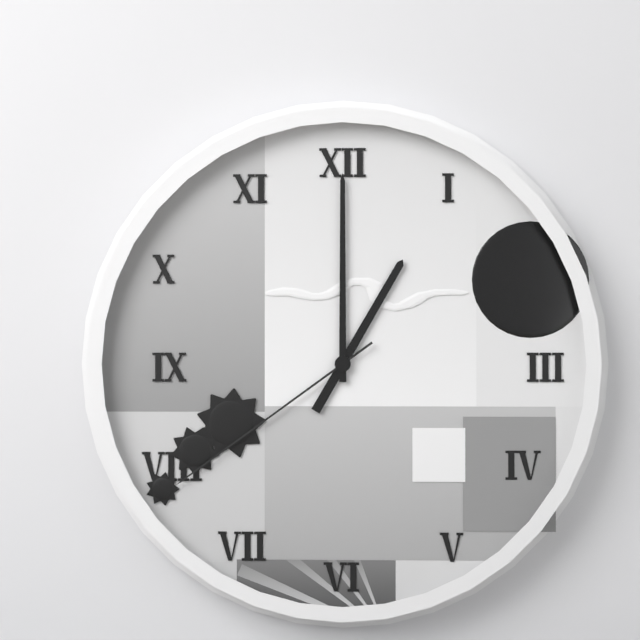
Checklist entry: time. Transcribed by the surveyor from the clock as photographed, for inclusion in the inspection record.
1:00:39
